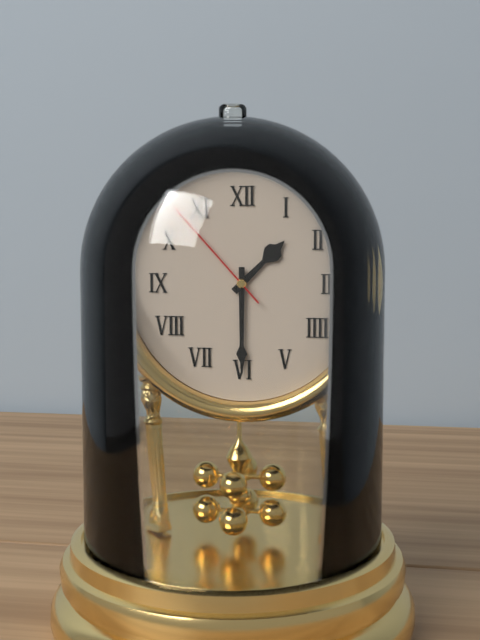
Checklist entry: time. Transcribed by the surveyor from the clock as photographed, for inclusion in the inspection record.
1:30:53
